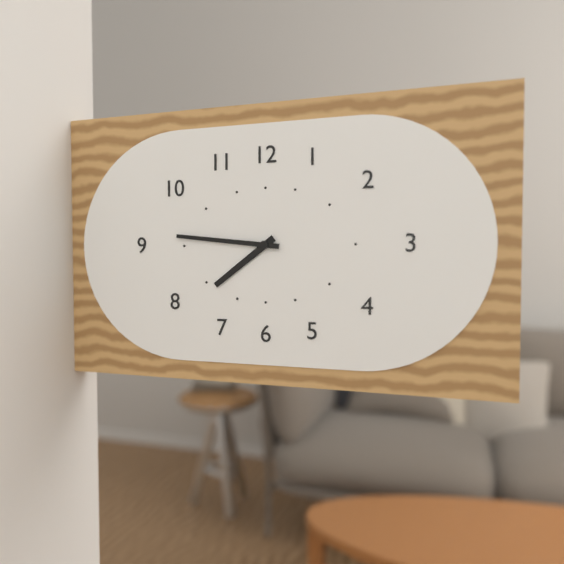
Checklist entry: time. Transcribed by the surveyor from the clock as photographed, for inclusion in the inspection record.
7:46
